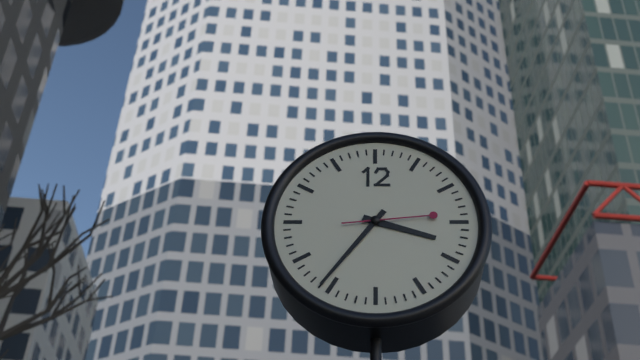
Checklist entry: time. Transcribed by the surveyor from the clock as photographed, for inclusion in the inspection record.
3:36:14
